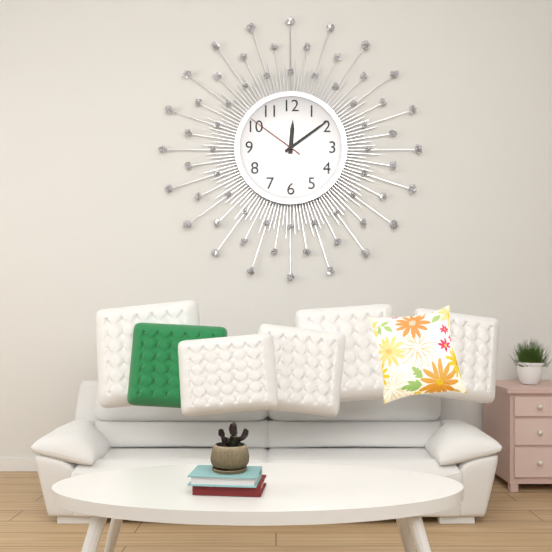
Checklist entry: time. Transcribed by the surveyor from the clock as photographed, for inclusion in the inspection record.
12:09:51
